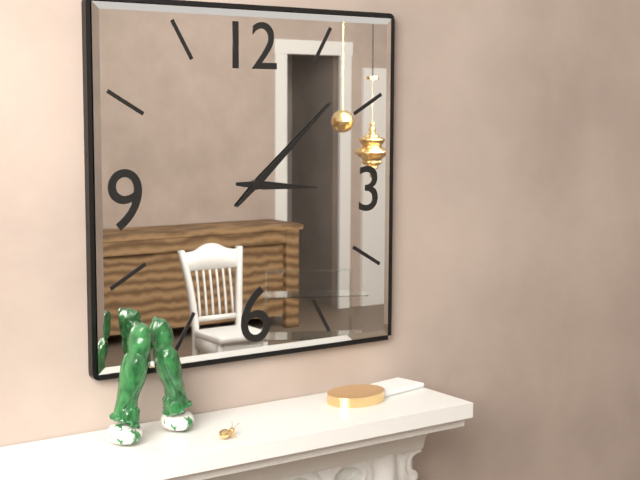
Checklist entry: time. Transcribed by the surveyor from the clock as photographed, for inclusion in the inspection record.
3:08
